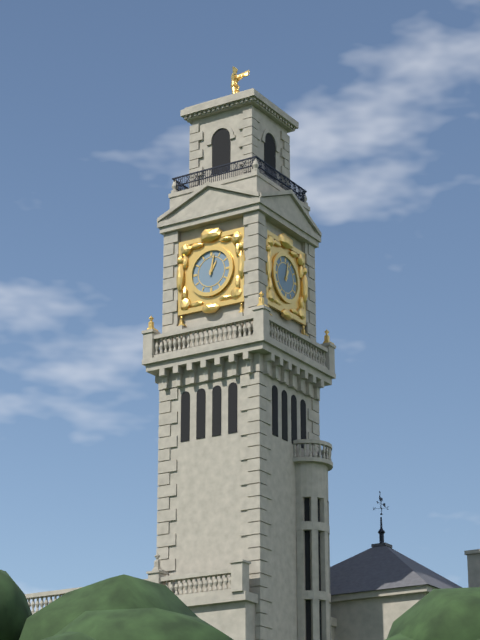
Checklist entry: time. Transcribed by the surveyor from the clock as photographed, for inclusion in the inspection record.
1:02
